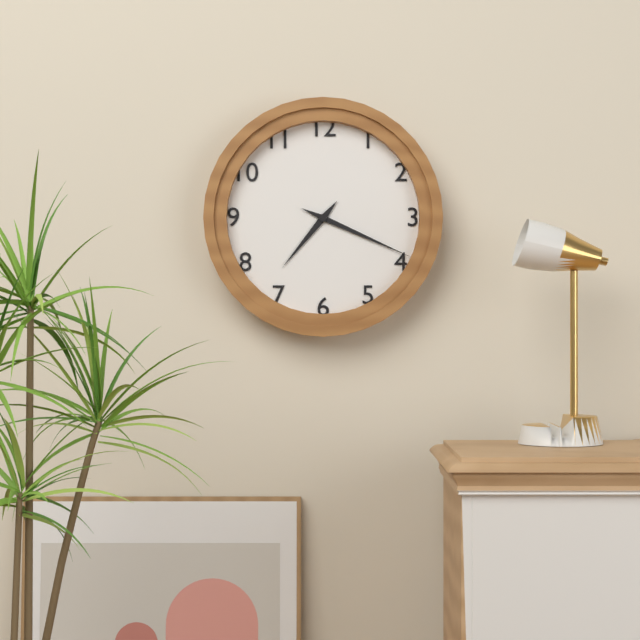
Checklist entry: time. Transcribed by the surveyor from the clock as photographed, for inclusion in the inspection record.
7:19
